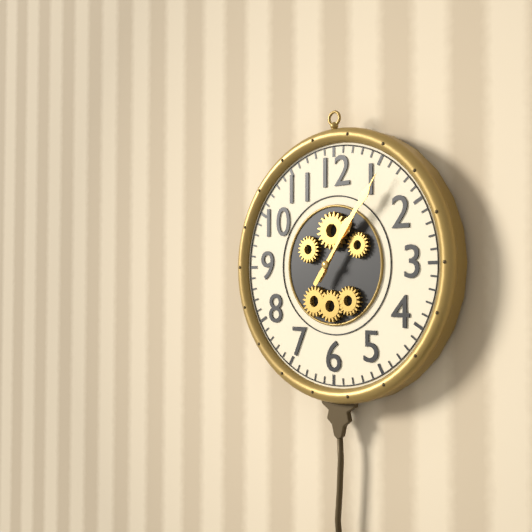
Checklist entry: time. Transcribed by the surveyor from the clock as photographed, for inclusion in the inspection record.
1:06
